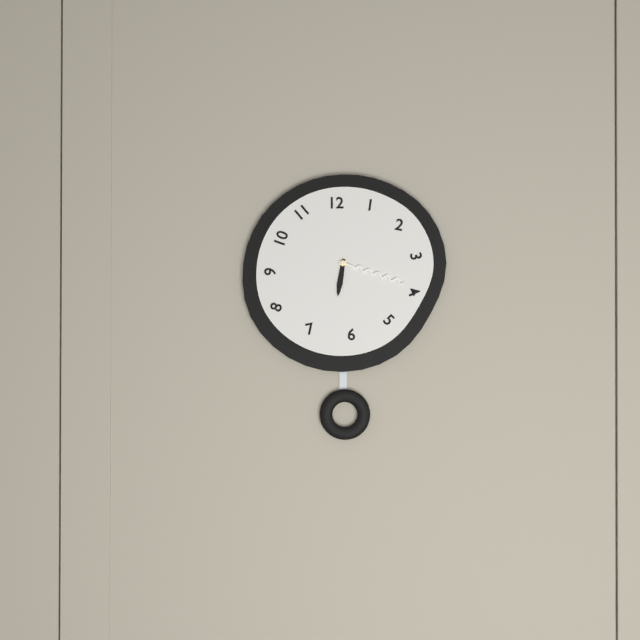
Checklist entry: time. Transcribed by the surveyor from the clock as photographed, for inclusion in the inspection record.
6:18
